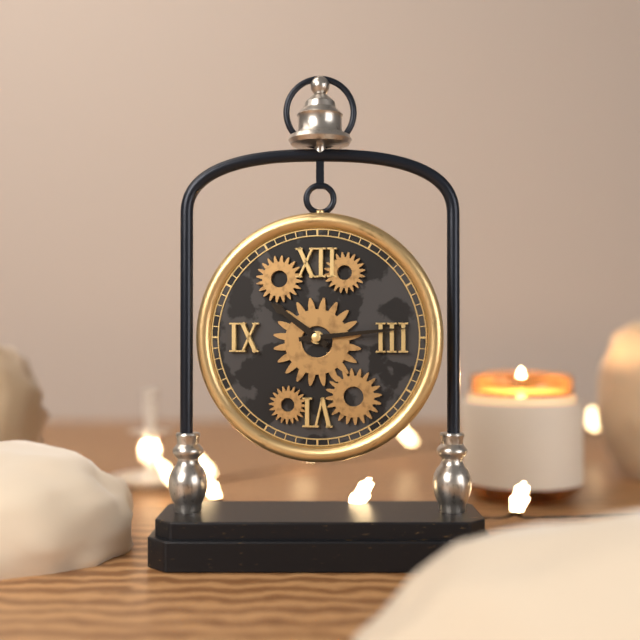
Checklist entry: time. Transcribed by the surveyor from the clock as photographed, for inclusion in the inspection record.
10:14
